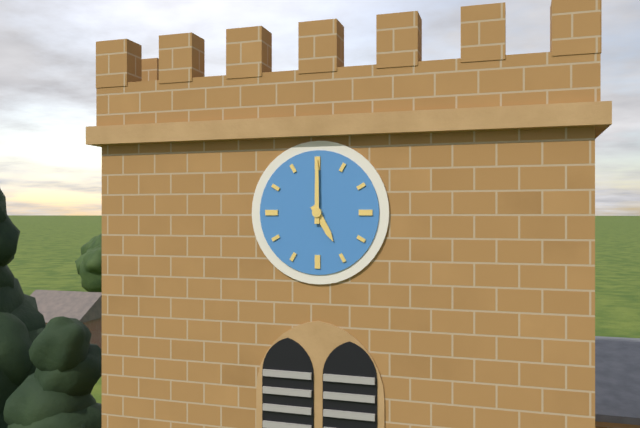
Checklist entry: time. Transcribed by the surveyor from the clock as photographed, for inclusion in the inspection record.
5:00
